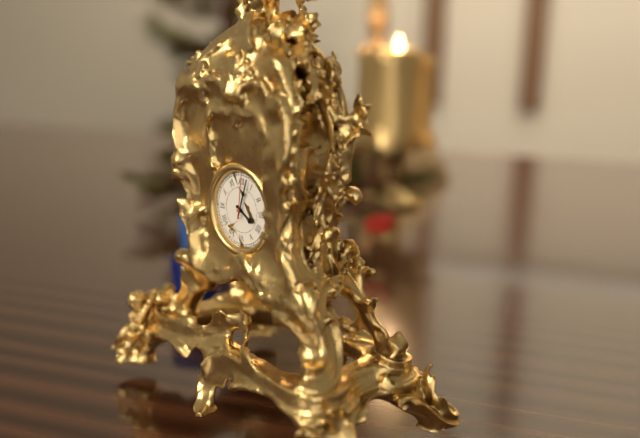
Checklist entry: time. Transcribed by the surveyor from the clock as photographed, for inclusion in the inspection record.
4:03
